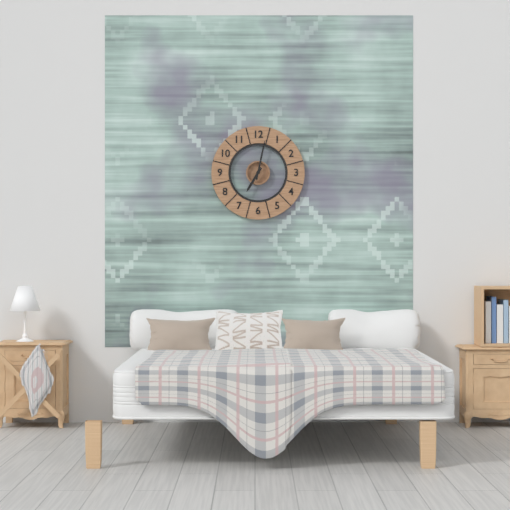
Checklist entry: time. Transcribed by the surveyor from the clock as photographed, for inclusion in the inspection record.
7:02
